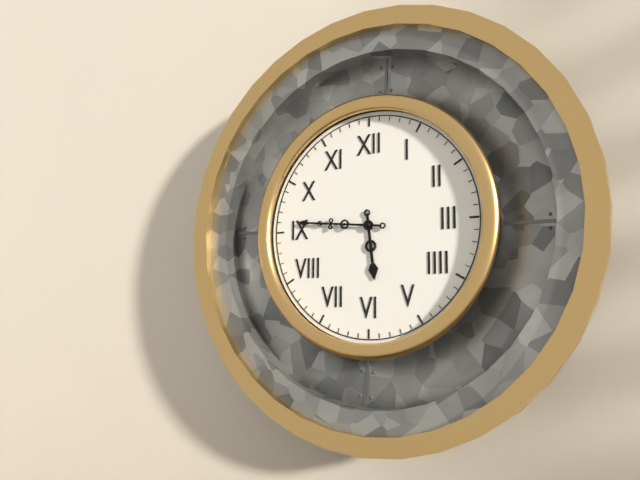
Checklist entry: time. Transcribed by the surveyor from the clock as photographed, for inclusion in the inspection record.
5:46
